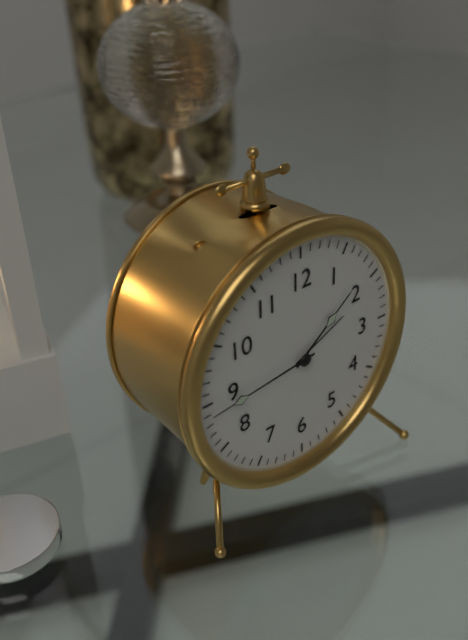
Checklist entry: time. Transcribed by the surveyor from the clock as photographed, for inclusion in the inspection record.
1:44
